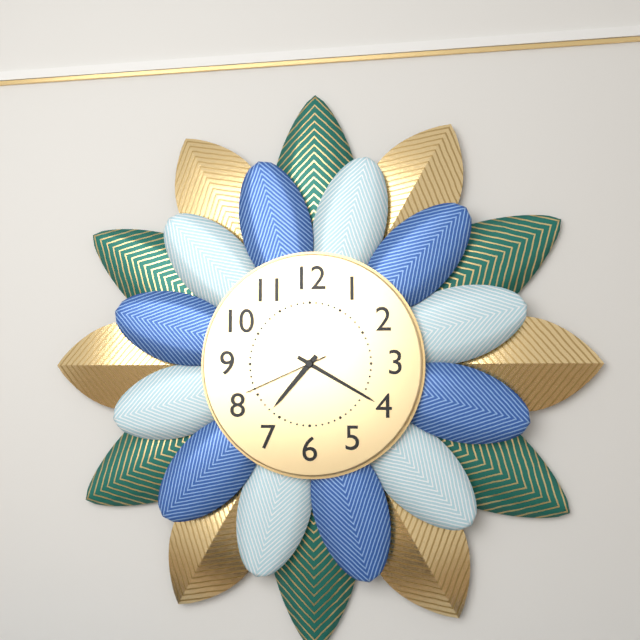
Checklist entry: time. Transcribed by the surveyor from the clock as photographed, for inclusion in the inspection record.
7:20:41
